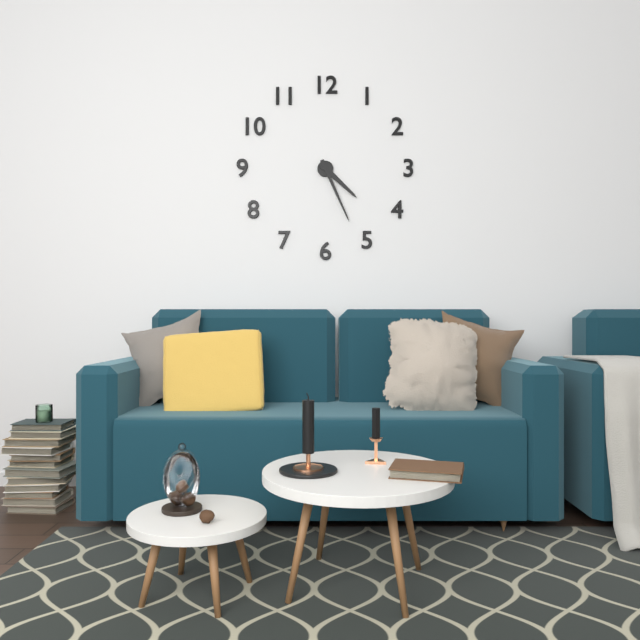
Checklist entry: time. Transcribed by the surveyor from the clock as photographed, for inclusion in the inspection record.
4:26
